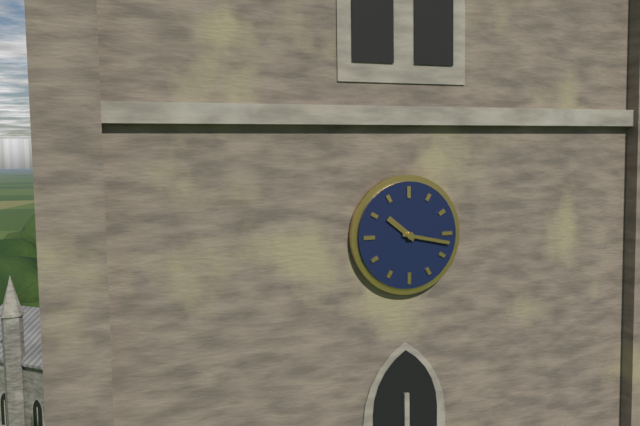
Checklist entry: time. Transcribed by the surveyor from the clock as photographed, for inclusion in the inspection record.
10:17
